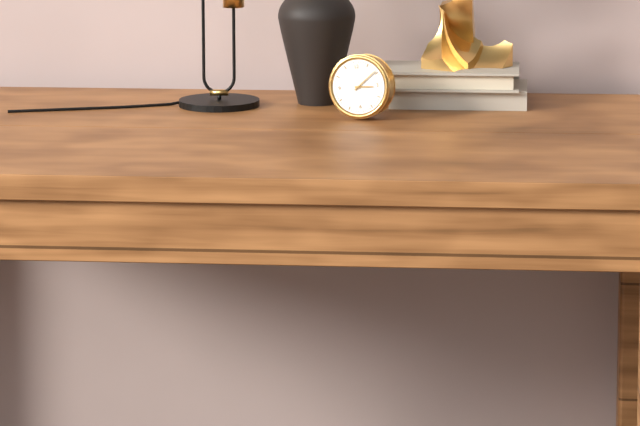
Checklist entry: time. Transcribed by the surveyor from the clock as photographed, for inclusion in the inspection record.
3:09
